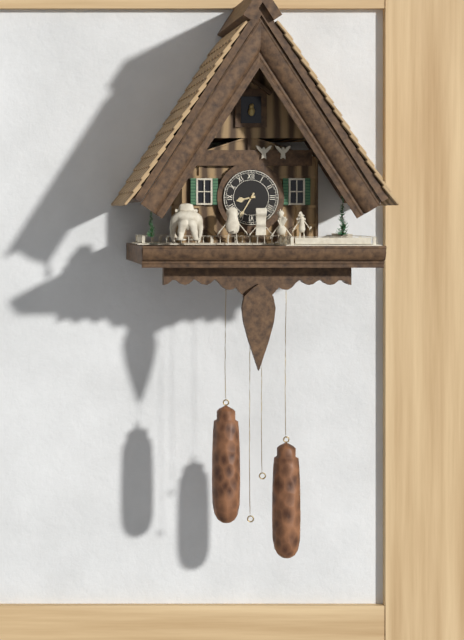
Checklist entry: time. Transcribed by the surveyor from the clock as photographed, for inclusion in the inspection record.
8:35
